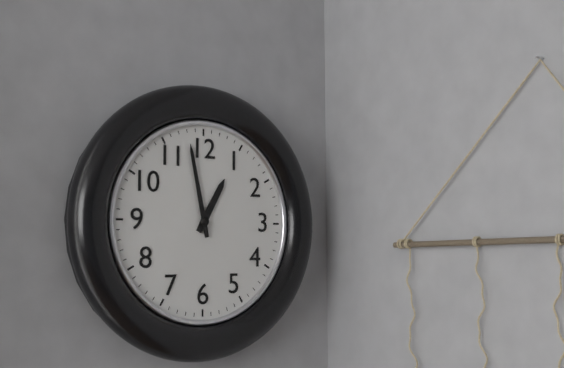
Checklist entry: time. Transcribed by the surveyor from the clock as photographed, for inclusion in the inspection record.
12:58
